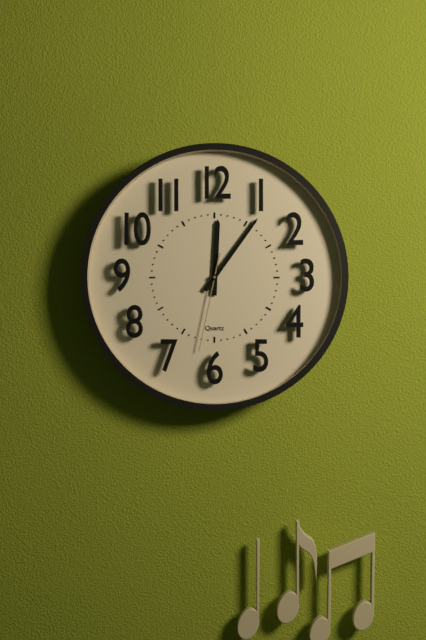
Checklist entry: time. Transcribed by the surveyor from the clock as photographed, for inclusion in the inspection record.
12:06:32
